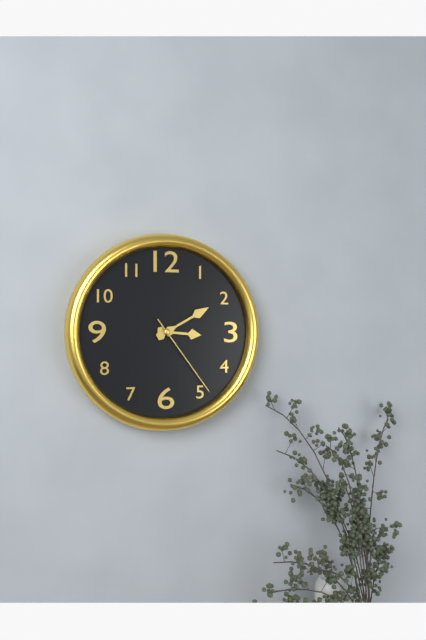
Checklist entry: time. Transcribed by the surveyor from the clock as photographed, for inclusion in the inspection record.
3:10:24
